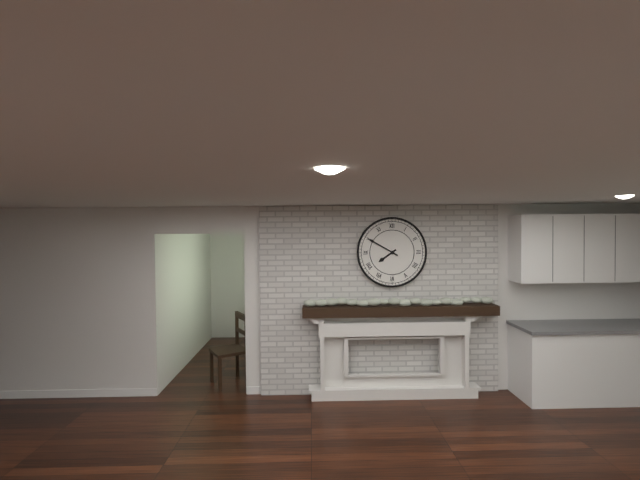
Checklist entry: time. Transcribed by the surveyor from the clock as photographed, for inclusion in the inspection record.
7:50
